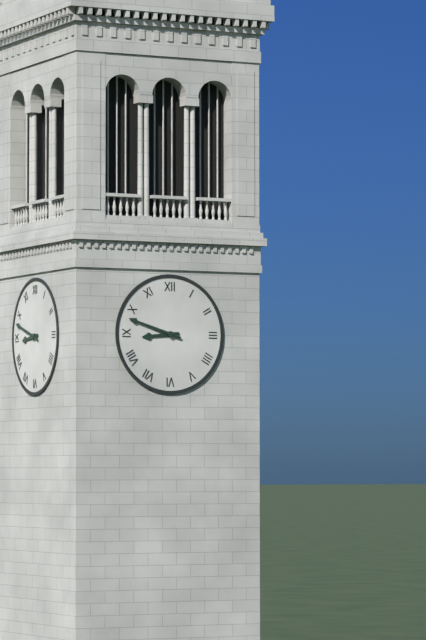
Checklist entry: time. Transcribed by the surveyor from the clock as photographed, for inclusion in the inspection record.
8:48
